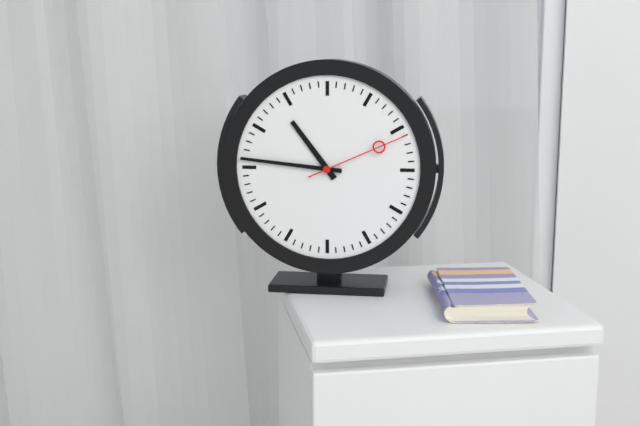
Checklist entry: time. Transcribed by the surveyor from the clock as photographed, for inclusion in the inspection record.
10:46:11
